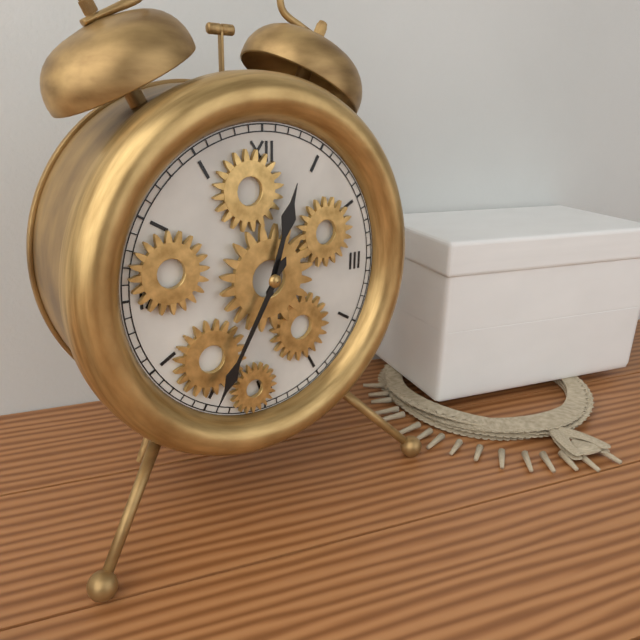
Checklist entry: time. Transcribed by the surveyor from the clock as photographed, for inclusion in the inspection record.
12:35
